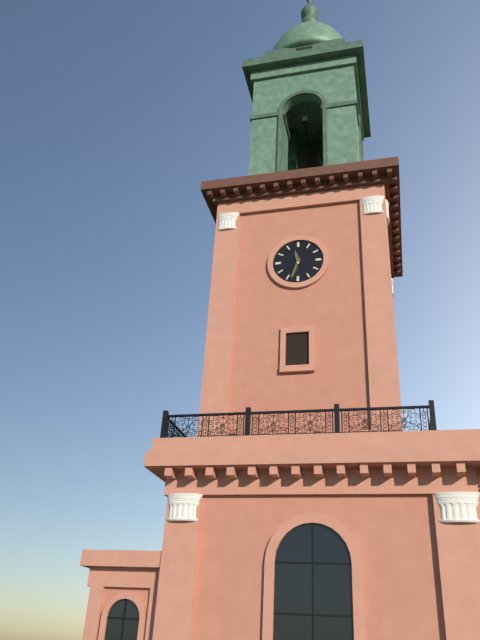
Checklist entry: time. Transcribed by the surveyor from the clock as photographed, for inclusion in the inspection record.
11:33
